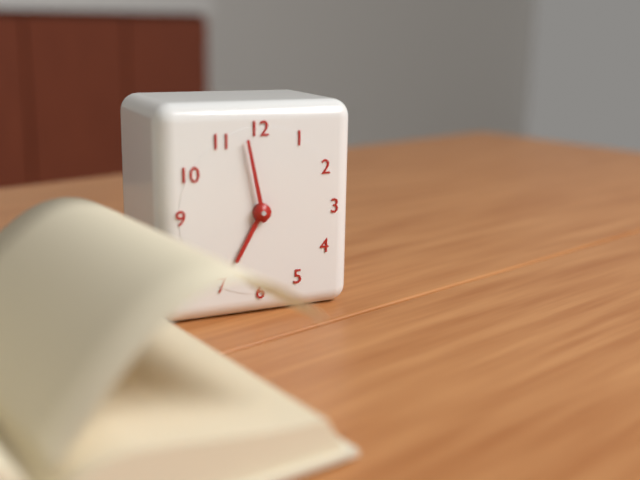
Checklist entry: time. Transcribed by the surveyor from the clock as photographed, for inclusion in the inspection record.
6:58
